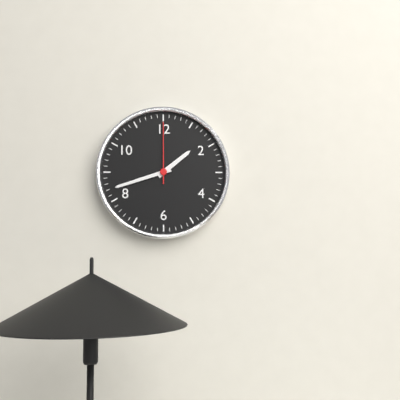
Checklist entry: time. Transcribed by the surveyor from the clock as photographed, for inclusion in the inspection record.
1:42:00
